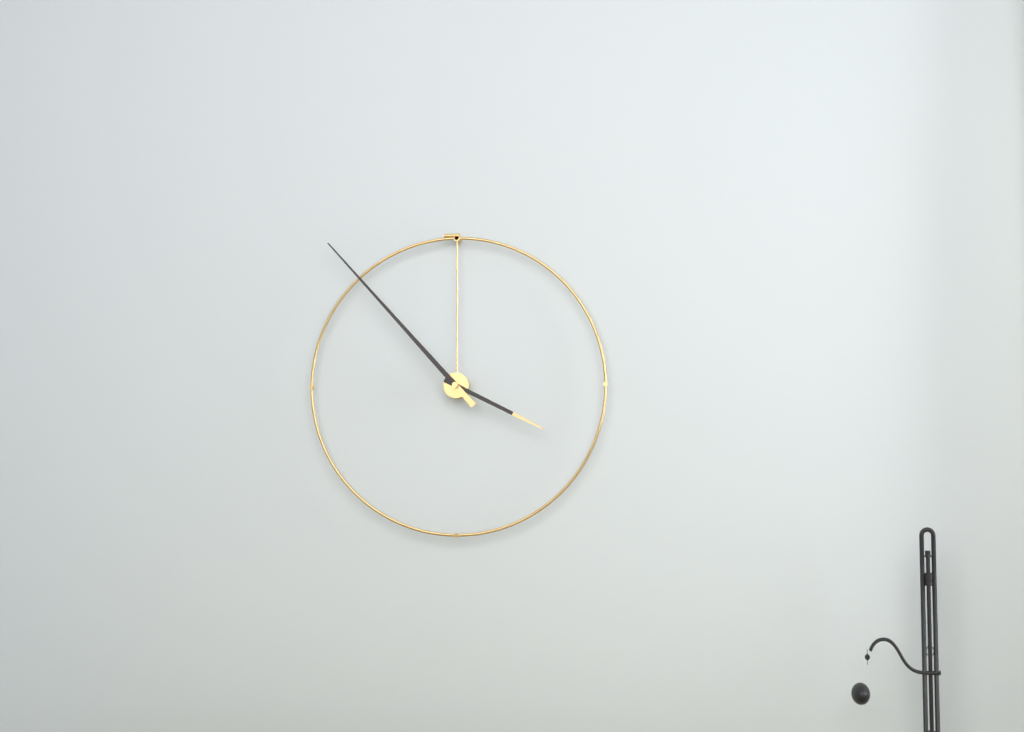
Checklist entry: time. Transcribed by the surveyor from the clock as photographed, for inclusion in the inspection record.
3:53
